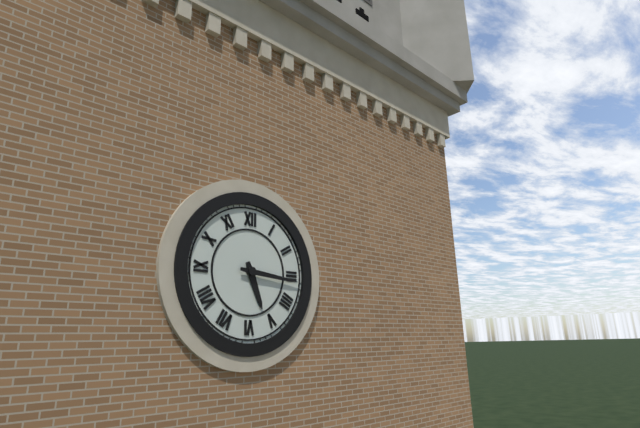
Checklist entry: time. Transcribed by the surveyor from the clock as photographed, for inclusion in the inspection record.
5:16
